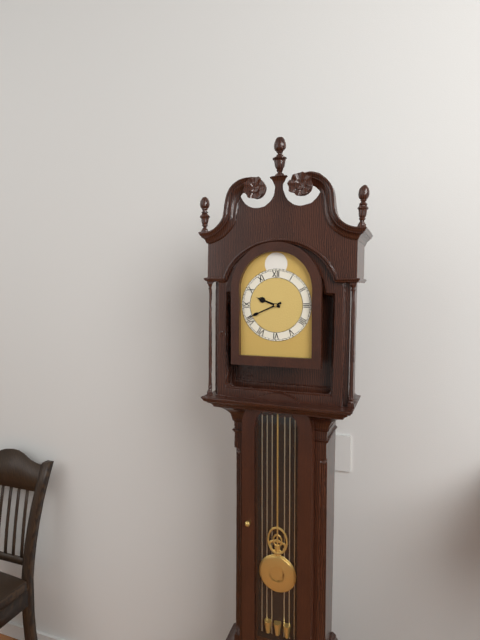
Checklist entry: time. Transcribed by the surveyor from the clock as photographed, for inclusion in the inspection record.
9:41
